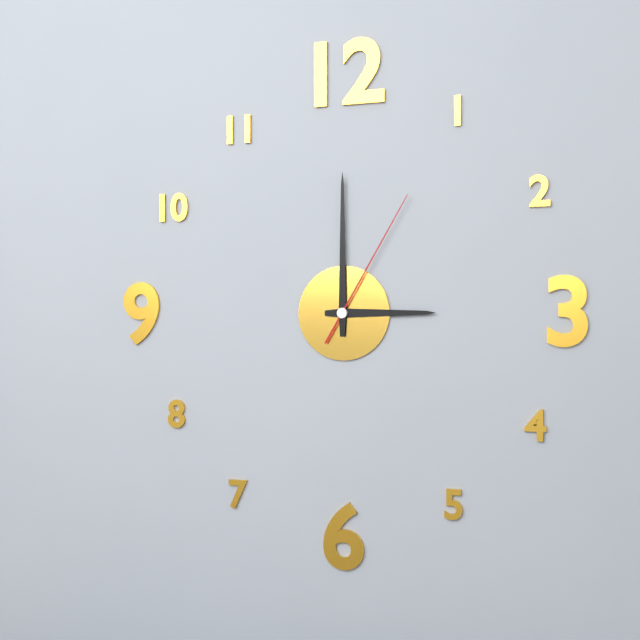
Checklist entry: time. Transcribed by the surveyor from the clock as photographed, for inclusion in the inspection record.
3:00:05
